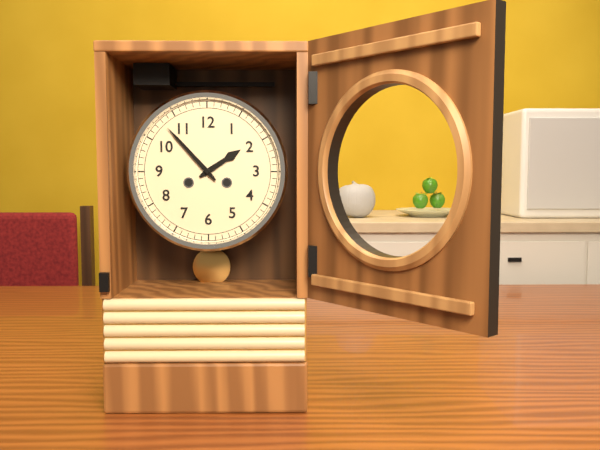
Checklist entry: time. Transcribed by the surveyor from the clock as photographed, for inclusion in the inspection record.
1:53
